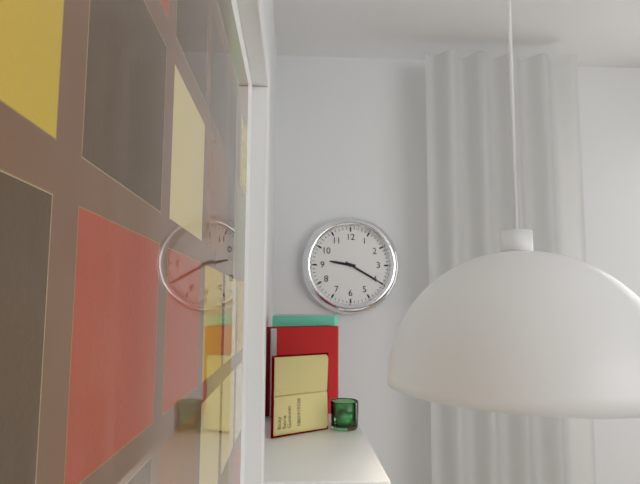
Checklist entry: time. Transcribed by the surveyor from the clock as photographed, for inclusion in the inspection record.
9:20
